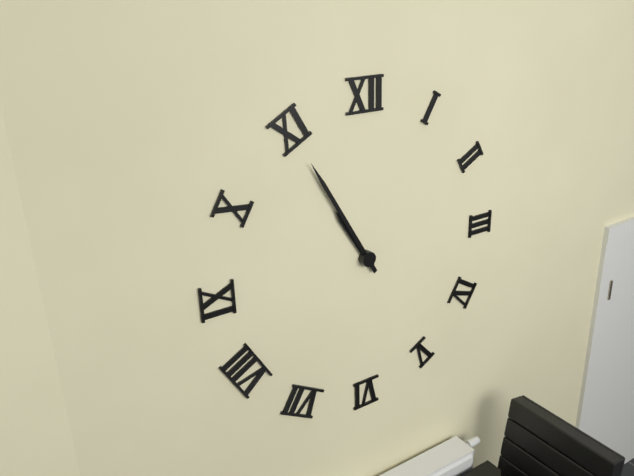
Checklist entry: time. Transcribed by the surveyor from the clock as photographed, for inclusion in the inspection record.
10:55
